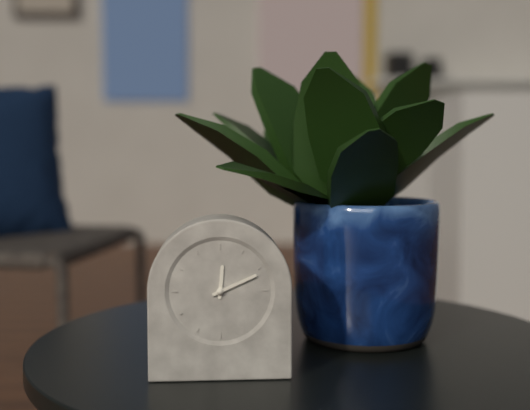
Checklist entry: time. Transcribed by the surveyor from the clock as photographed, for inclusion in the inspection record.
12:11
